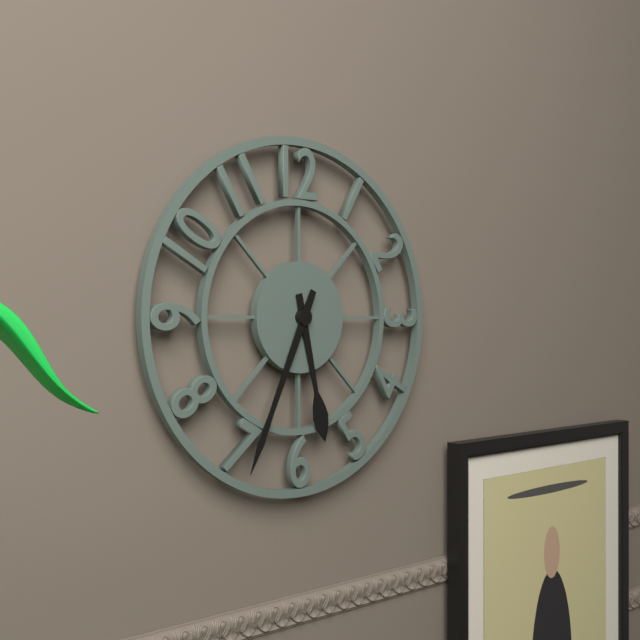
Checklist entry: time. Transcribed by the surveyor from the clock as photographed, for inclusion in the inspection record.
5:34
